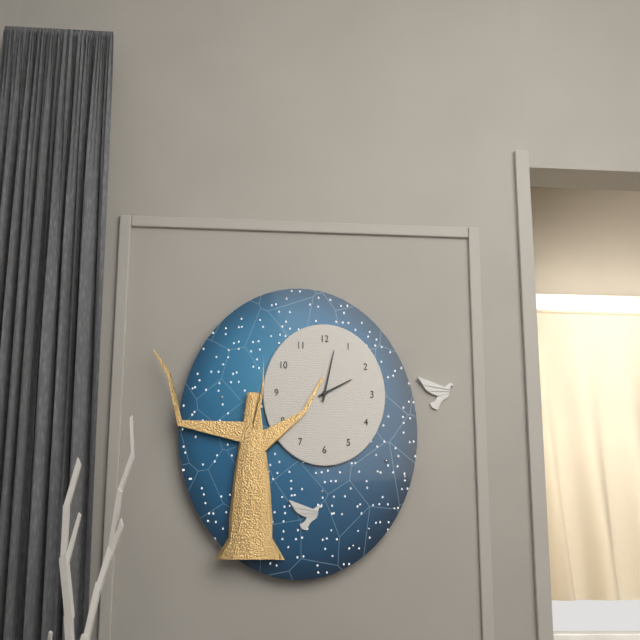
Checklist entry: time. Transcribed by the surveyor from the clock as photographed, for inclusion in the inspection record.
2:02
